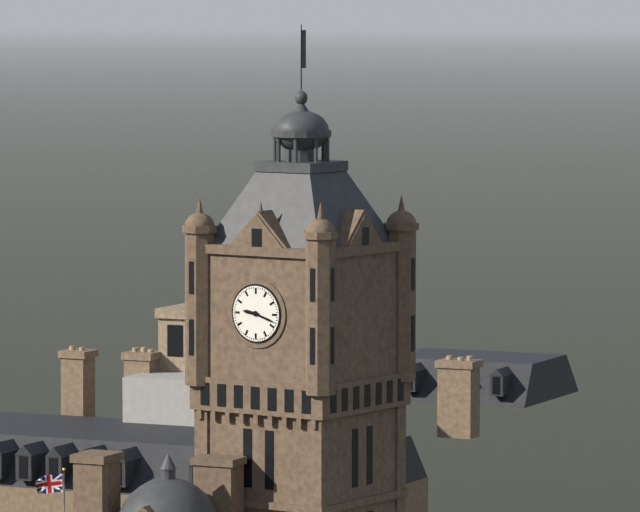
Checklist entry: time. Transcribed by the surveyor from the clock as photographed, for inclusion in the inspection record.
9:18
